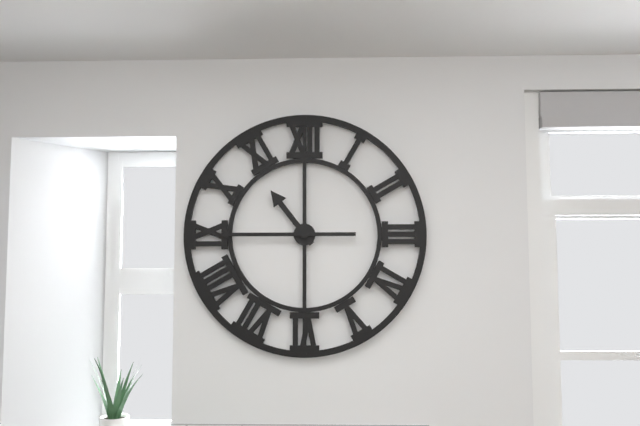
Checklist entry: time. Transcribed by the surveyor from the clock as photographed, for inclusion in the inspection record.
10:45
